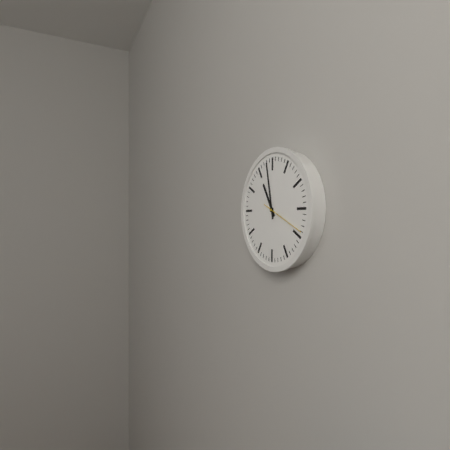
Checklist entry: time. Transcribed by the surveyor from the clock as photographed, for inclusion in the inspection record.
10:58
